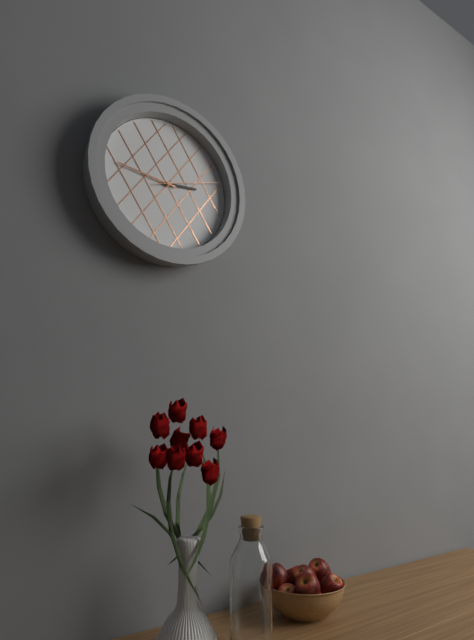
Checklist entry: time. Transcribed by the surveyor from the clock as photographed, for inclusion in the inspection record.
2:46:12
